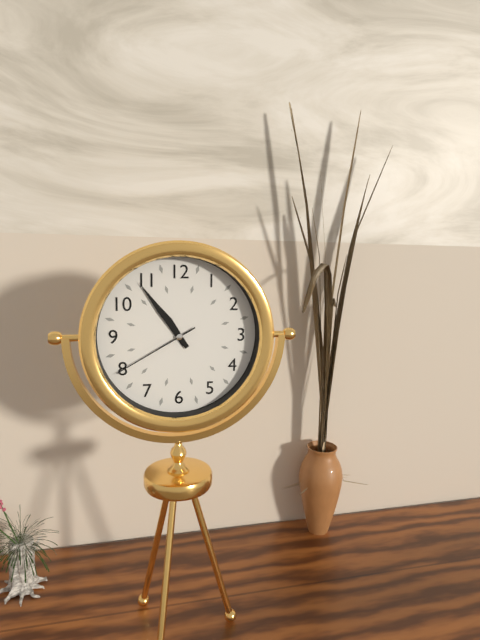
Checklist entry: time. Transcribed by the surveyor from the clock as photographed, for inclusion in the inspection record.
10:54:40
